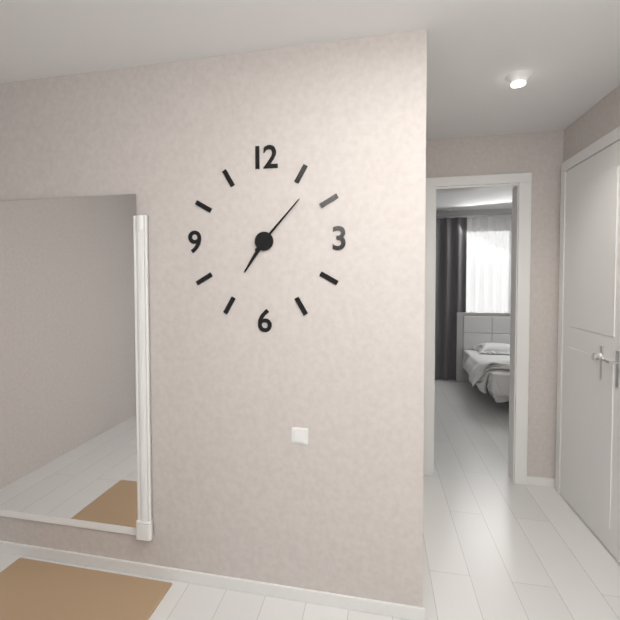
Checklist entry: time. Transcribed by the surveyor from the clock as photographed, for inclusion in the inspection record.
7:07
